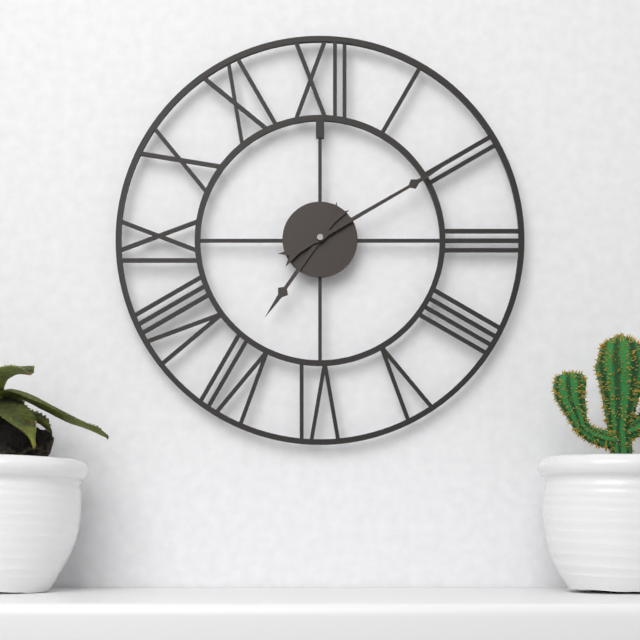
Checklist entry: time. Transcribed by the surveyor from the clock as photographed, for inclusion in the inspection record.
7:10
